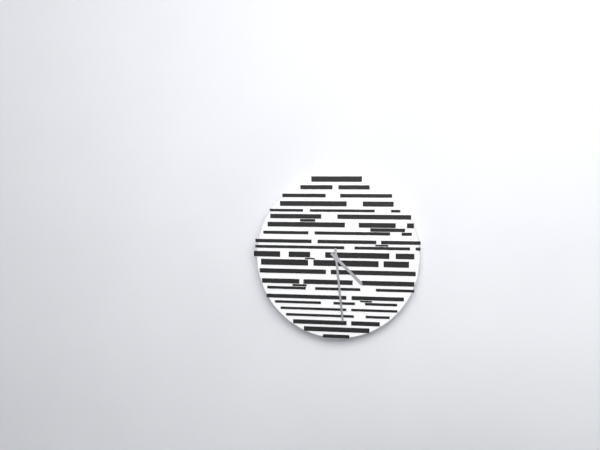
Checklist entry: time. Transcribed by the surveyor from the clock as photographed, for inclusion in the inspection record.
4:29
